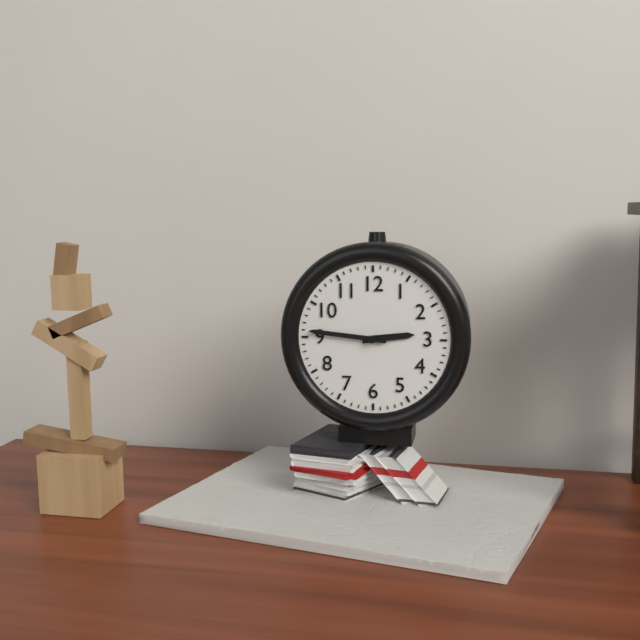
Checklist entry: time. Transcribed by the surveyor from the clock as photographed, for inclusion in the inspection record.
2:46
